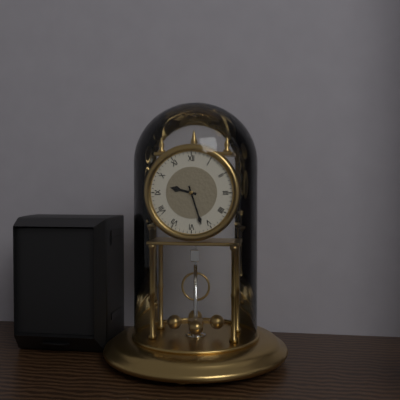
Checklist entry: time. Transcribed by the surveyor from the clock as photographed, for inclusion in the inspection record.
9:27
